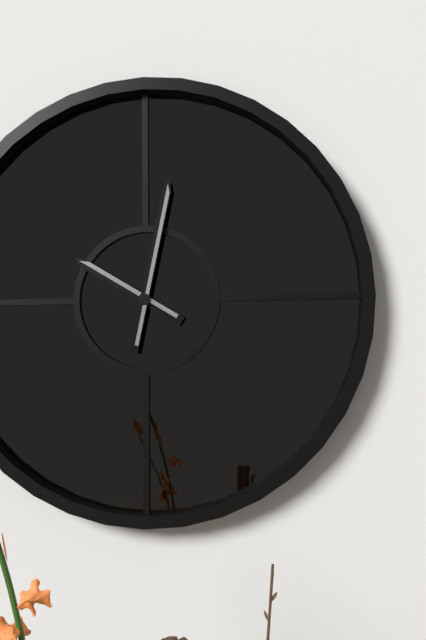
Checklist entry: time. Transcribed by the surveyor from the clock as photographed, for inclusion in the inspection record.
10:02
